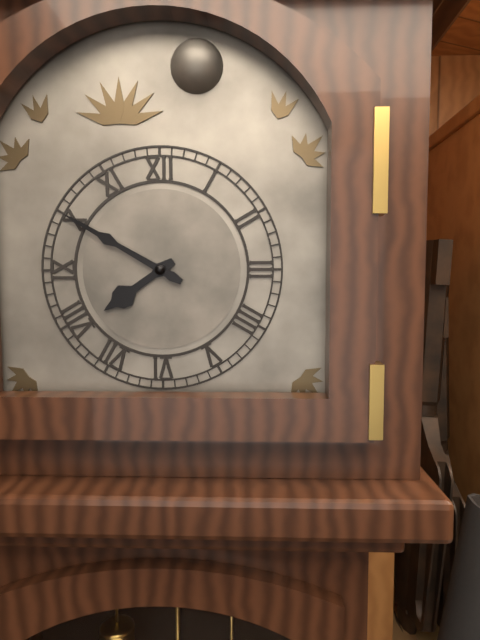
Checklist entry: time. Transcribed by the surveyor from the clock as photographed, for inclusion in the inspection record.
7:50
